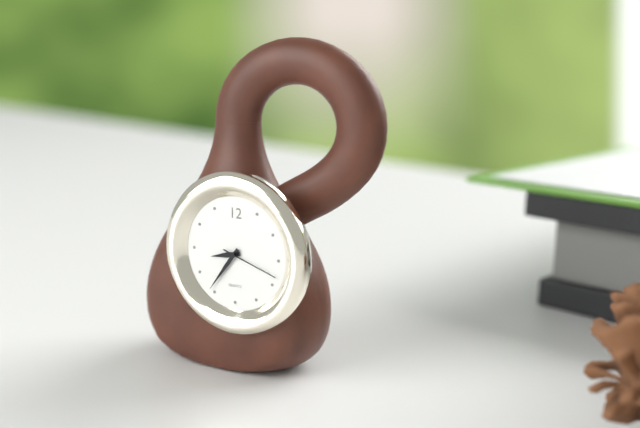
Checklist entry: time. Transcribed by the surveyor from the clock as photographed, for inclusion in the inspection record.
8:36:18
